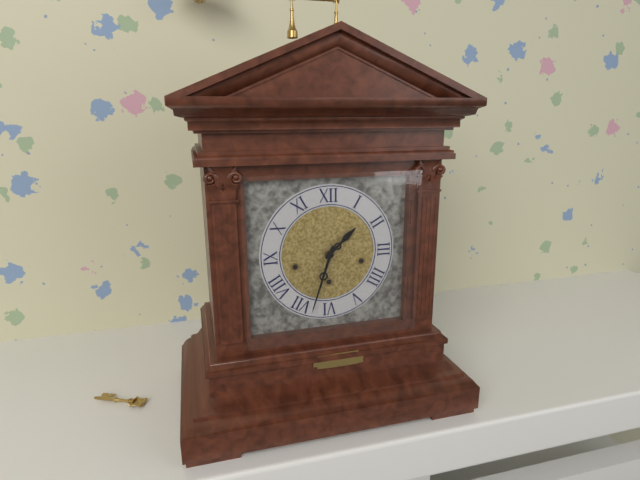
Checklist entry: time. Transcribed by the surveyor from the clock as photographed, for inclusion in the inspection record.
1:33
